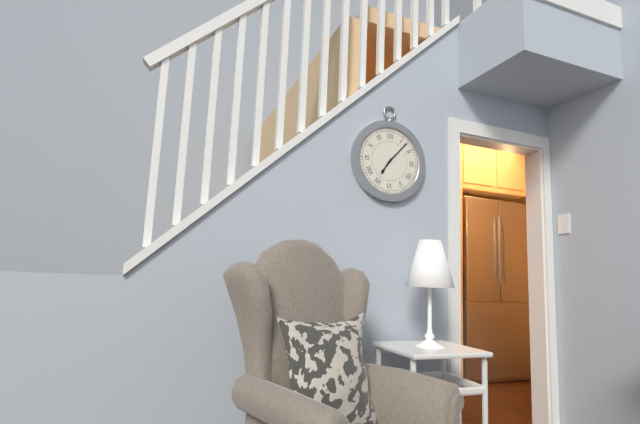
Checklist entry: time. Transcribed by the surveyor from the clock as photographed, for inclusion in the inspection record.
7:07
